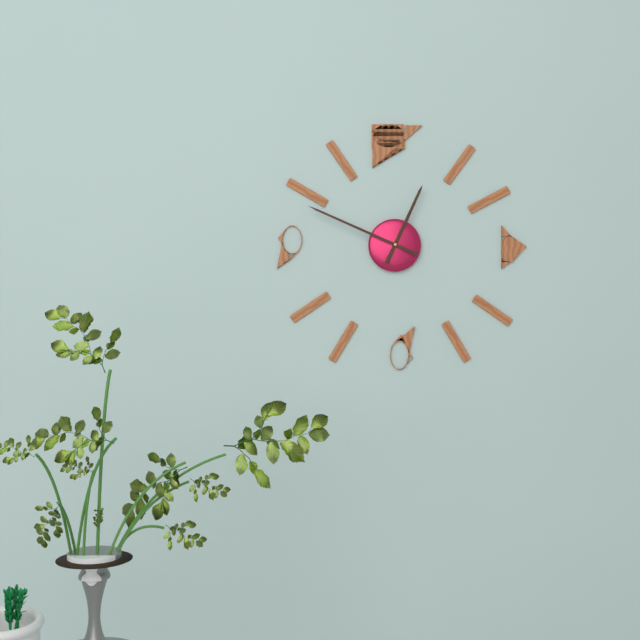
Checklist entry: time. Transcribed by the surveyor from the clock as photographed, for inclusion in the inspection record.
12:49
